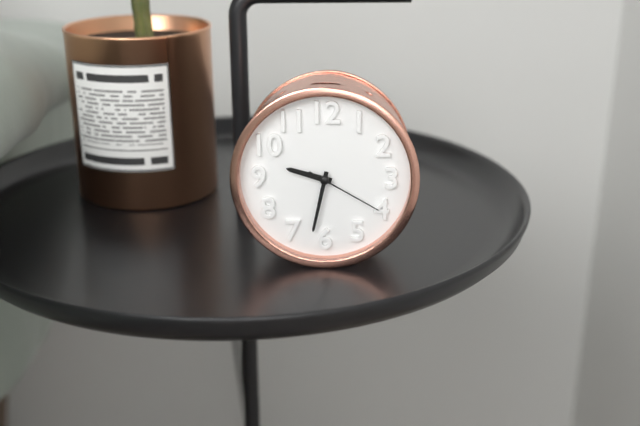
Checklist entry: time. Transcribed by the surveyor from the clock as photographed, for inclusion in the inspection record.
9:32:20
